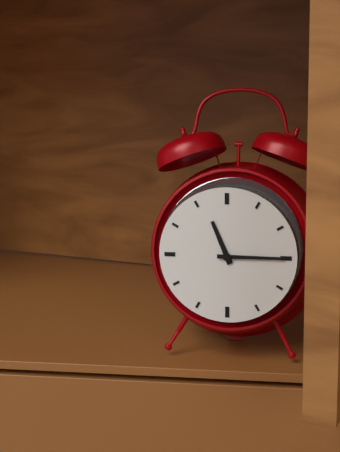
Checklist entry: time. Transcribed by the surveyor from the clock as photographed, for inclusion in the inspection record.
11:15
